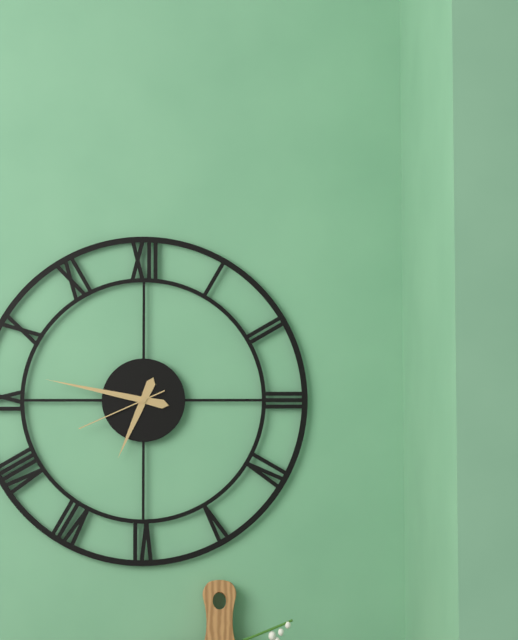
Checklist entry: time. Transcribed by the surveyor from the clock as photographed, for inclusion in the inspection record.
6:47:41
